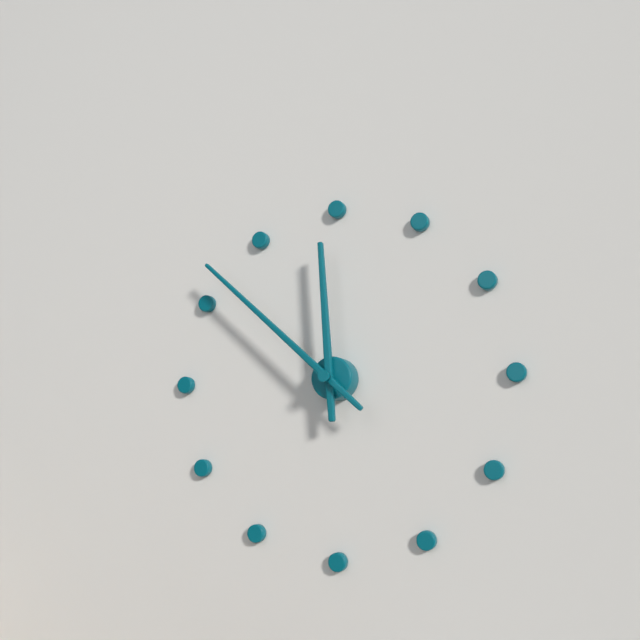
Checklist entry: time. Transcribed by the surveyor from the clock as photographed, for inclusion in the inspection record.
11:52
